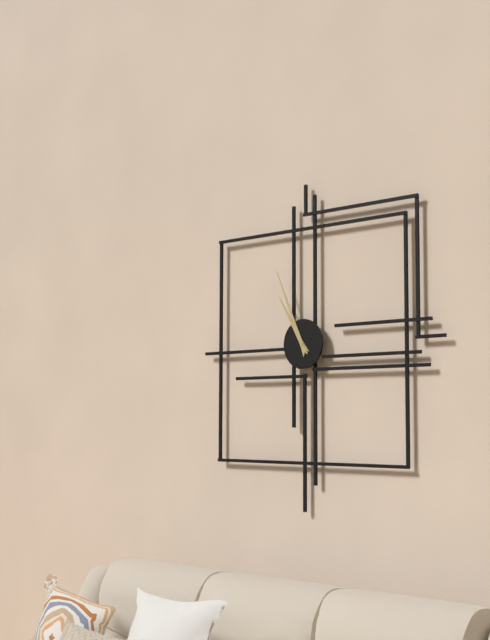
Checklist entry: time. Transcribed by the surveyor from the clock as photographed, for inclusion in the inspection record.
10:56
